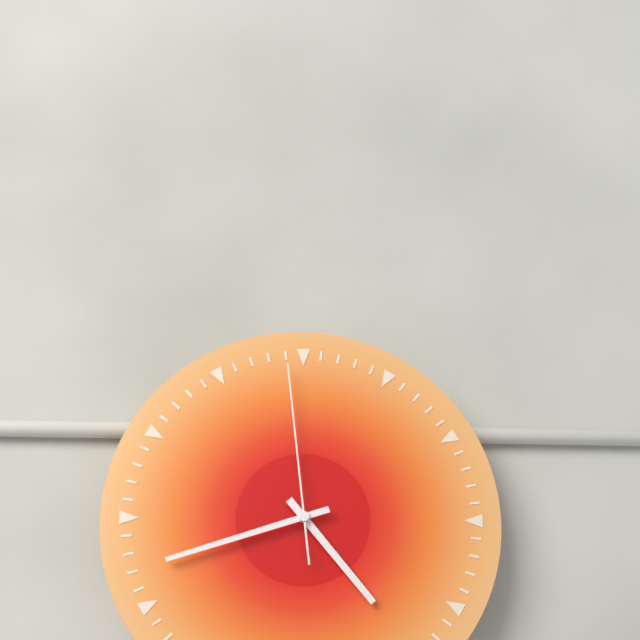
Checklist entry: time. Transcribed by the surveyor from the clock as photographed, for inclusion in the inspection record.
4:42:59
